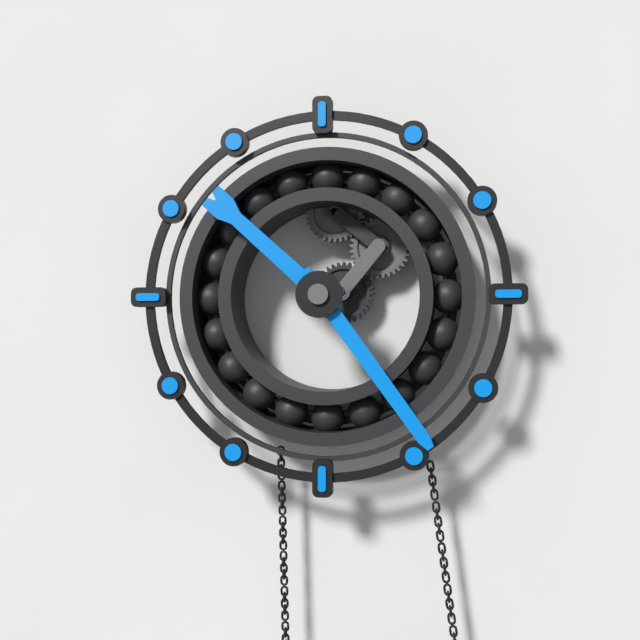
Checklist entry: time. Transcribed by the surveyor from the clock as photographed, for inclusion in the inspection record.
10:24
